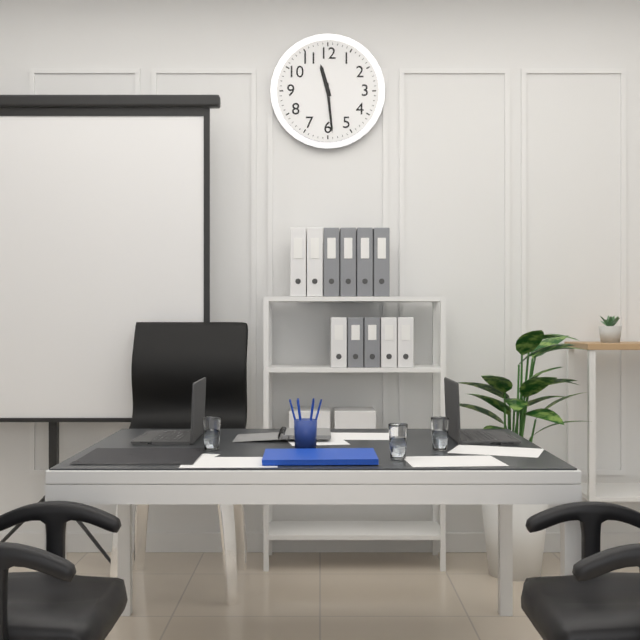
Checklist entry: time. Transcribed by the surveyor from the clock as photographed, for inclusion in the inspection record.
11:29
